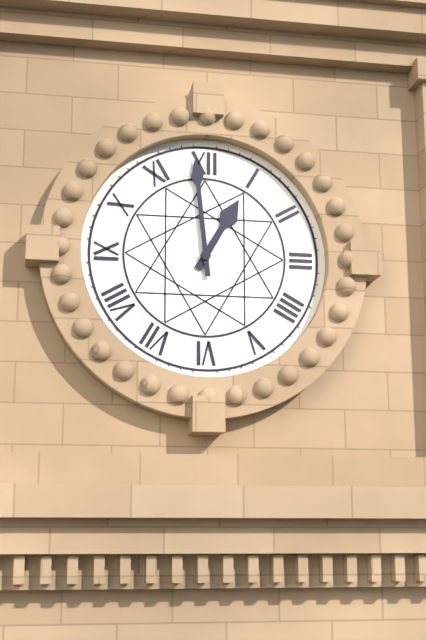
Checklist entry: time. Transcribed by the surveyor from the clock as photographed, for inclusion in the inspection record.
12:59
